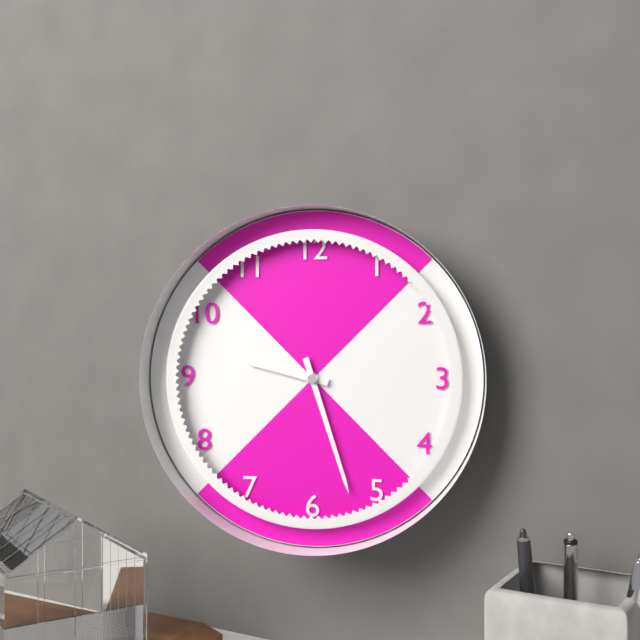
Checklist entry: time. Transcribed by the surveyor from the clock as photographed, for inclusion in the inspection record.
9:27
